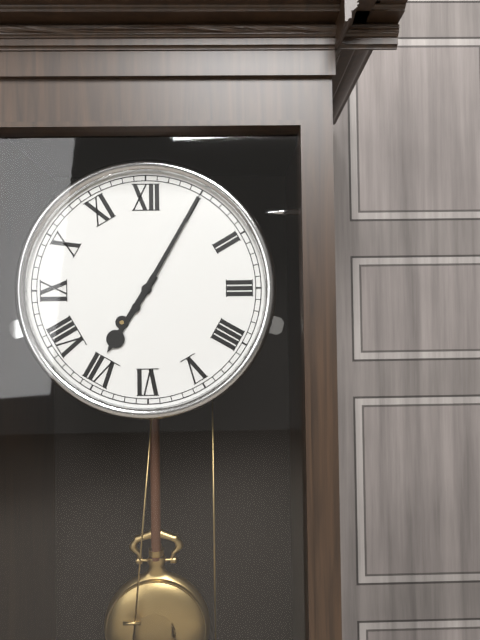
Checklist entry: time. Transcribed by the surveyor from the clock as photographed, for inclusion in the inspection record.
7:05
